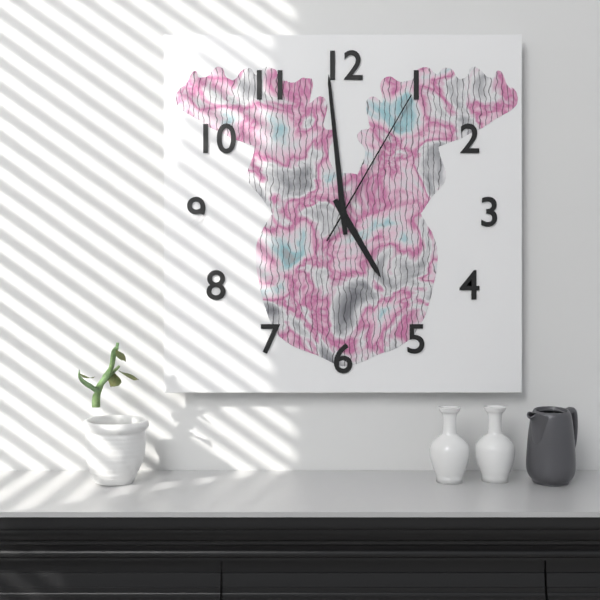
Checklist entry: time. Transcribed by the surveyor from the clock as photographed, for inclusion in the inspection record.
4:59:05
